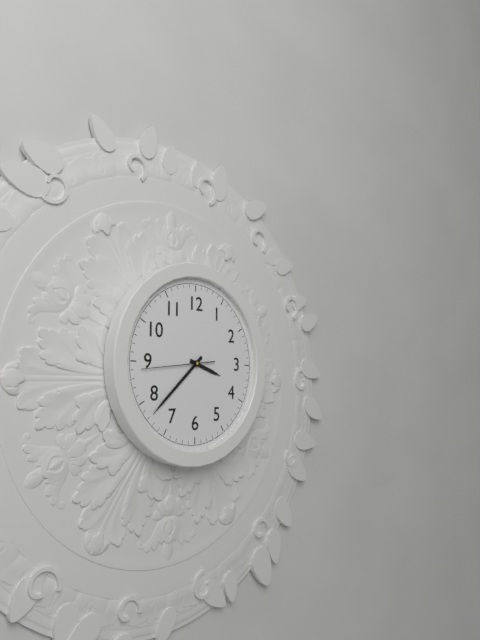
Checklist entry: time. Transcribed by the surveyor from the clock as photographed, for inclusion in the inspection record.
3:38:44
